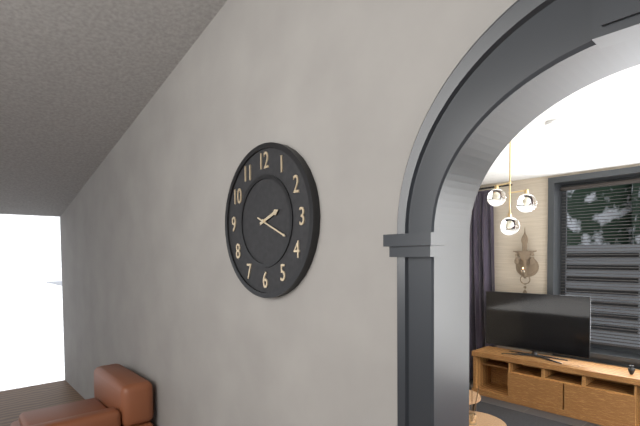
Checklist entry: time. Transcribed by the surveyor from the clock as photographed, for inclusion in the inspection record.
2:19
